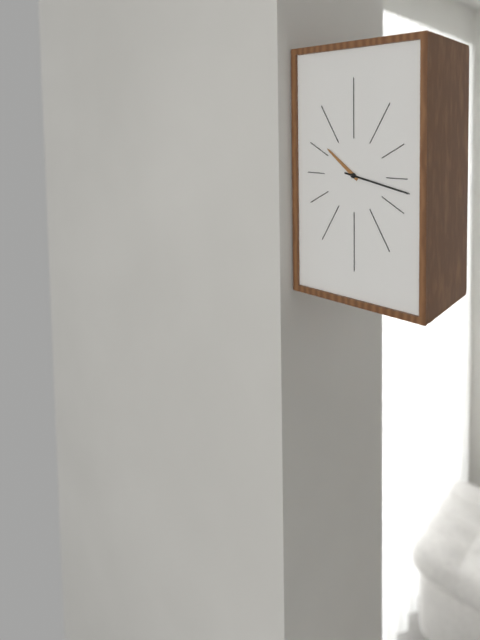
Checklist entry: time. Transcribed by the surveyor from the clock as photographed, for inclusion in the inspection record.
10:17
